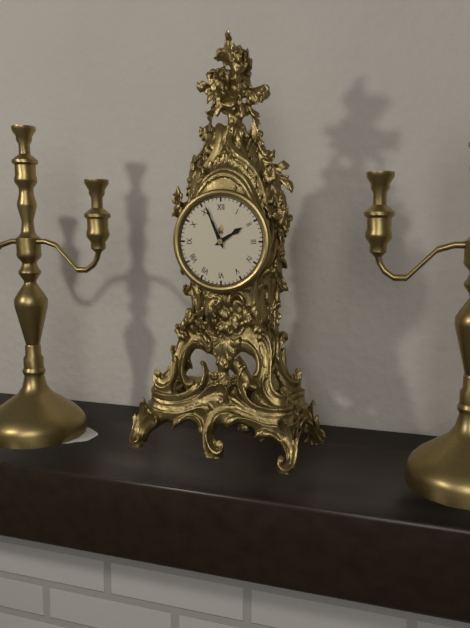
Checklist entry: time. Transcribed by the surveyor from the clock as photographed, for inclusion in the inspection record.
1:56
